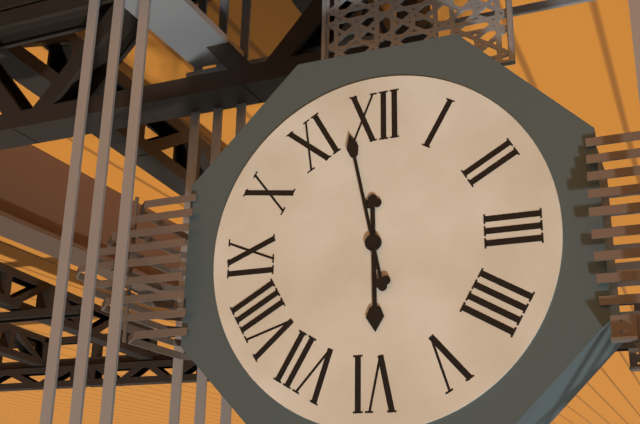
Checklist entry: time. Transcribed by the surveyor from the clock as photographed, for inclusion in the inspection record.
5:58
